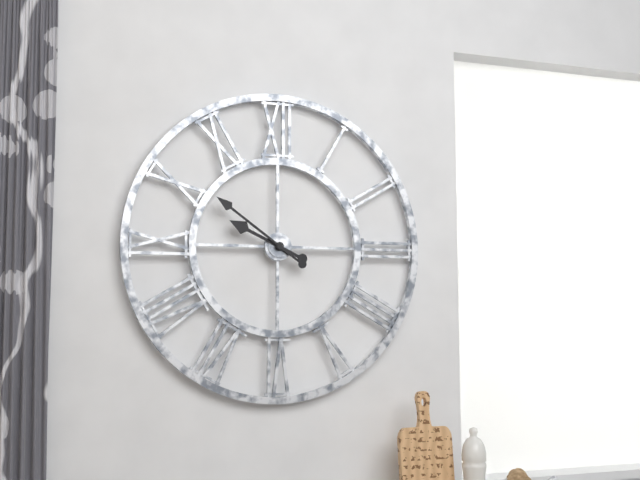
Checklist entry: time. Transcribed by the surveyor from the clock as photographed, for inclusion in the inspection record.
9:51
